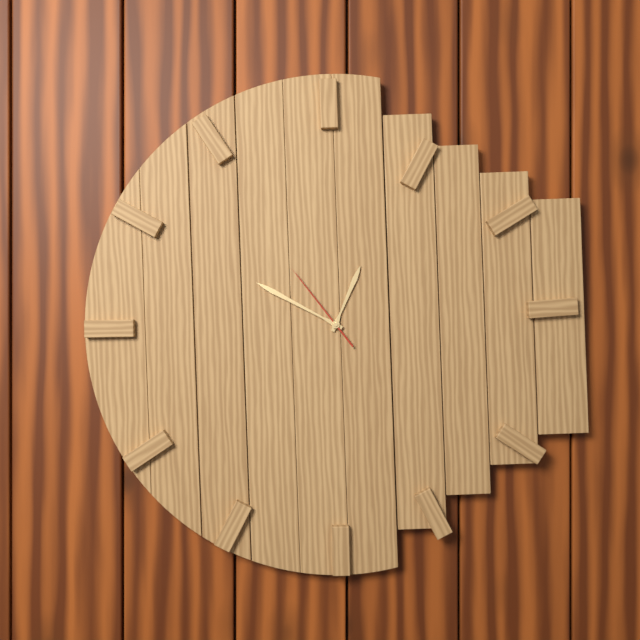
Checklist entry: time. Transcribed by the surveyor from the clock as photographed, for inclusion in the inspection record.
12:50:54
